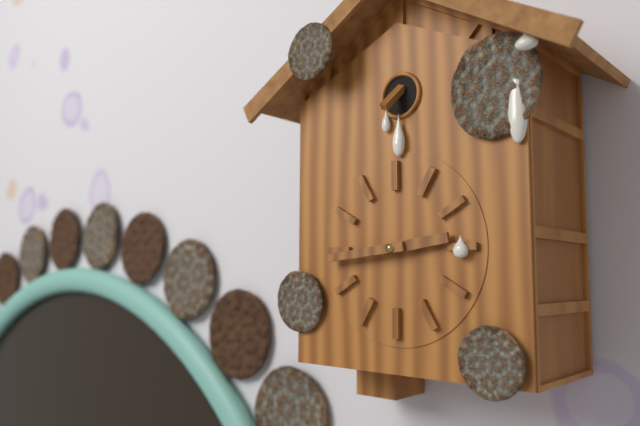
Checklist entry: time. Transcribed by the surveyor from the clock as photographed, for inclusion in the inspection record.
2:44
